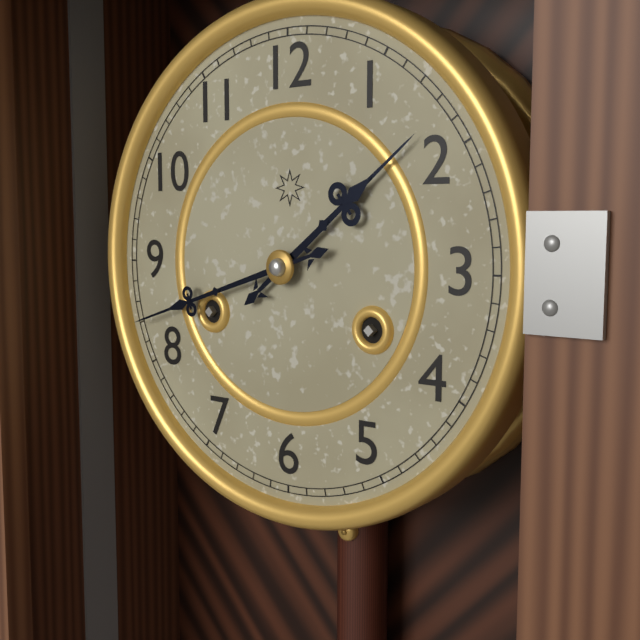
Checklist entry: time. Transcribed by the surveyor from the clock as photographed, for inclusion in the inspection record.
1:42
